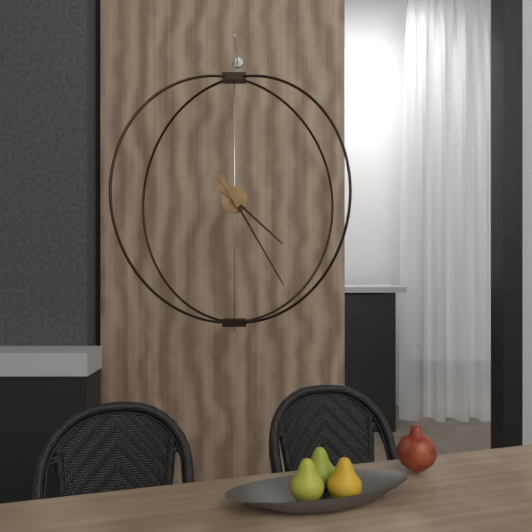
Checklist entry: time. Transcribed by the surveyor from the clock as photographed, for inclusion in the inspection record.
4:25
